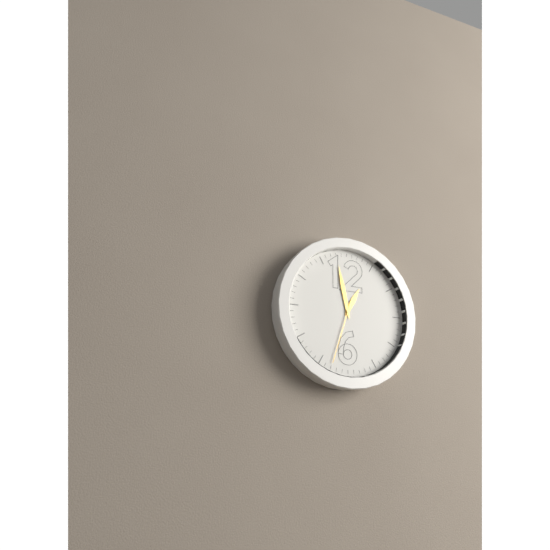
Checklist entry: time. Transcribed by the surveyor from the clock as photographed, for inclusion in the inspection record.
12:58:33
